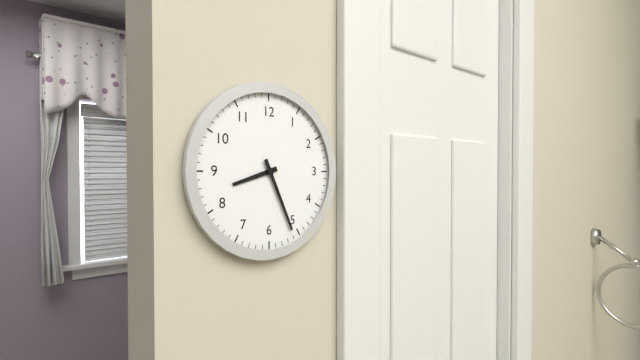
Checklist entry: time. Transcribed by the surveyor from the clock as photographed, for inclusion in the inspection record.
8:26
